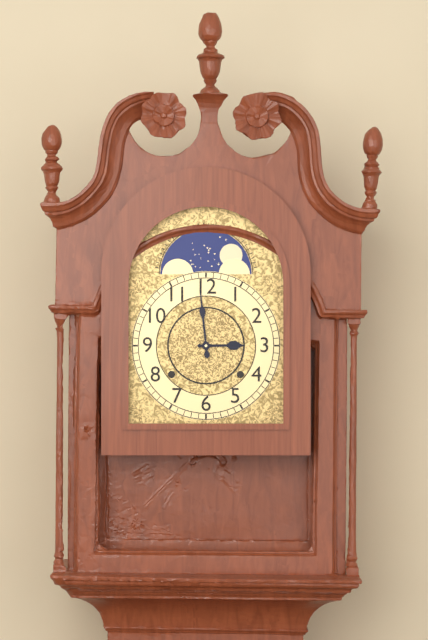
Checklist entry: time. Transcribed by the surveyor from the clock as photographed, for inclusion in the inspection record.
2:59
